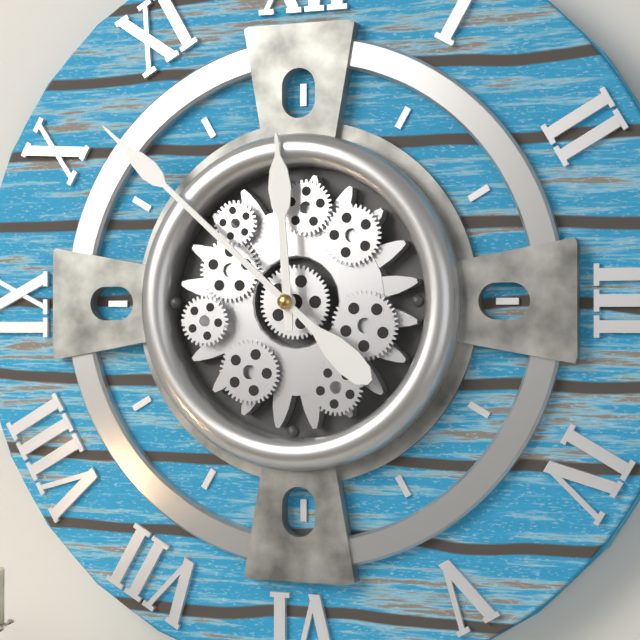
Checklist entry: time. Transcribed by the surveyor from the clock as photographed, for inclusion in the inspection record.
11:52
